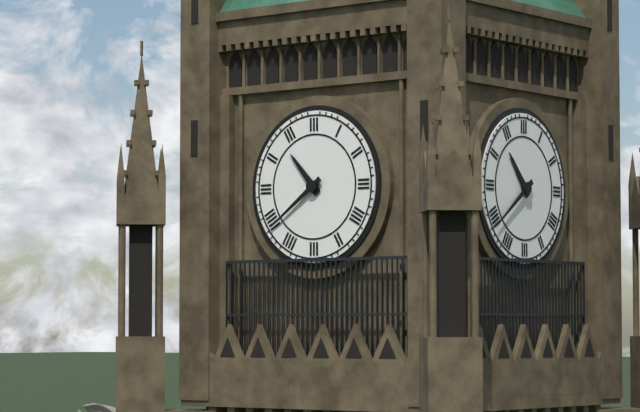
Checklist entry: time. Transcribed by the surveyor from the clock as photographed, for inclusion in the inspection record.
10:39
